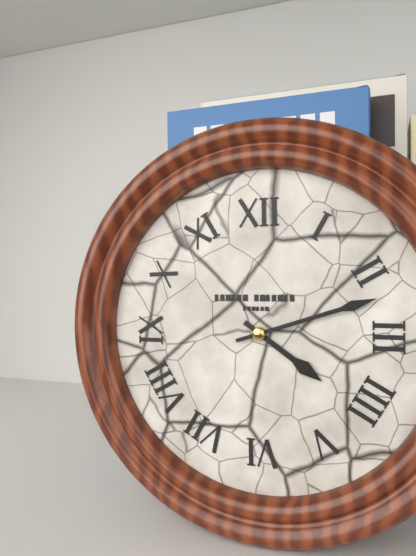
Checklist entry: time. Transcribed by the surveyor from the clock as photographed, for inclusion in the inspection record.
4:12
